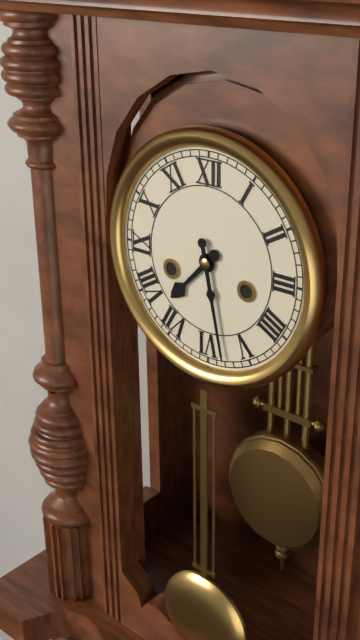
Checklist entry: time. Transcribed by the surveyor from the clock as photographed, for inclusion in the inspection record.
7:28
